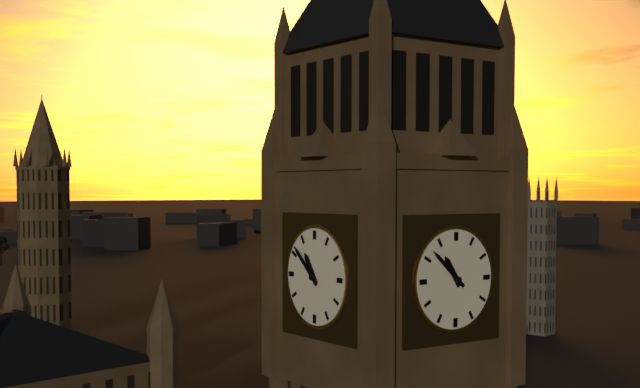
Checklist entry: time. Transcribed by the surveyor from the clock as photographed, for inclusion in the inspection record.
10:52
